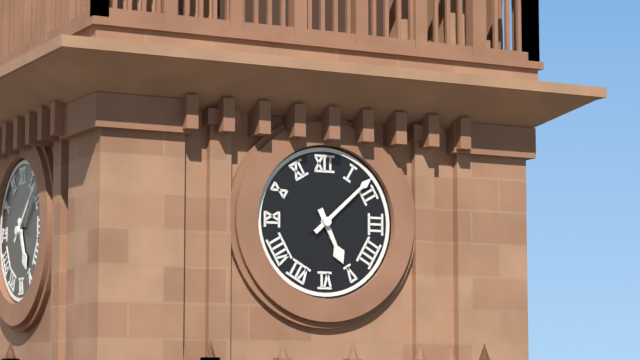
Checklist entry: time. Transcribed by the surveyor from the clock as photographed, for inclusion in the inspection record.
5:08
